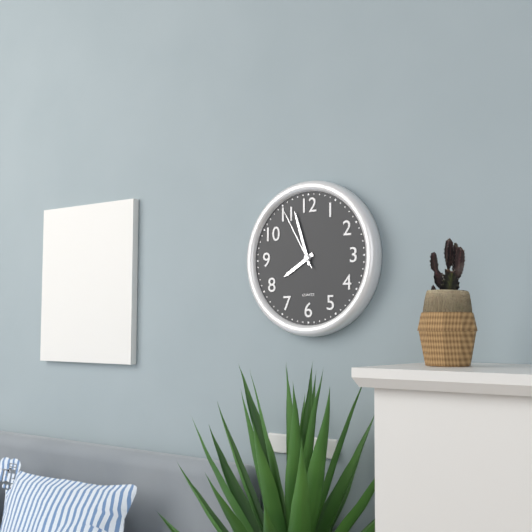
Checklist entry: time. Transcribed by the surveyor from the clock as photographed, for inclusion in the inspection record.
7:57:55
